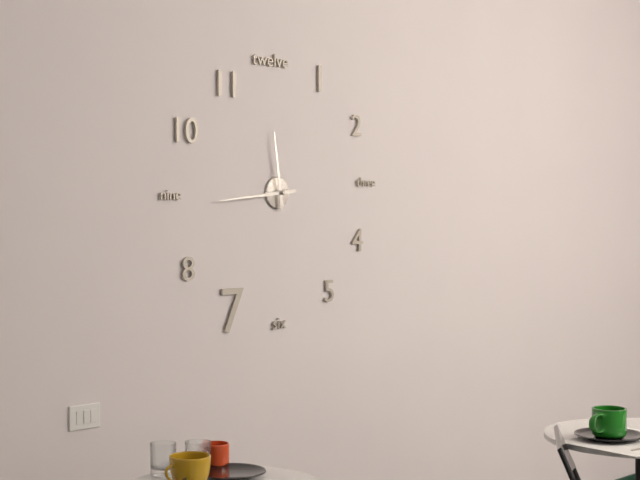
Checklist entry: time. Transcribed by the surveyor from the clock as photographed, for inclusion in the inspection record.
11:44
